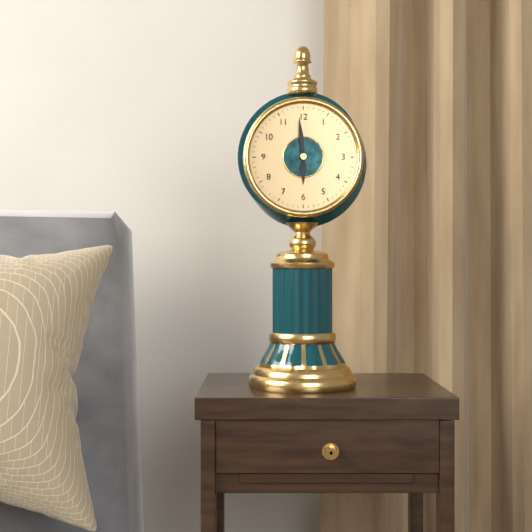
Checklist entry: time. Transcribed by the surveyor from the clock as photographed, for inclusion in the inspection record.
5:59
